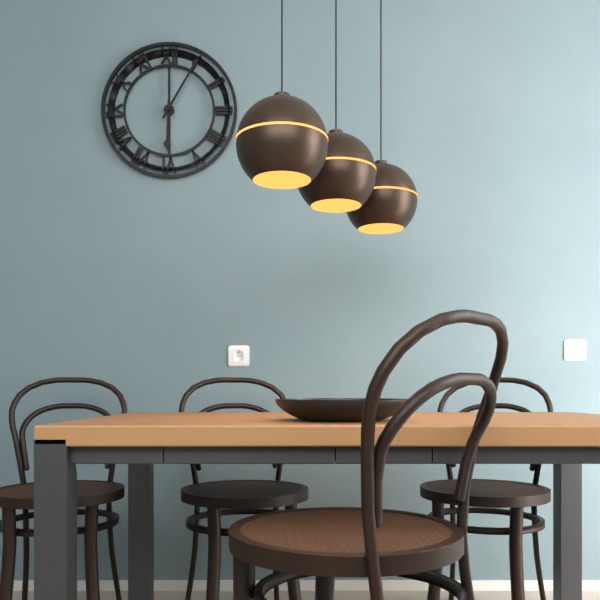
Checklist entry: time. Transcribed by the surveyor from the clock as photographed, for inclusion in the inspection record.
6:05
